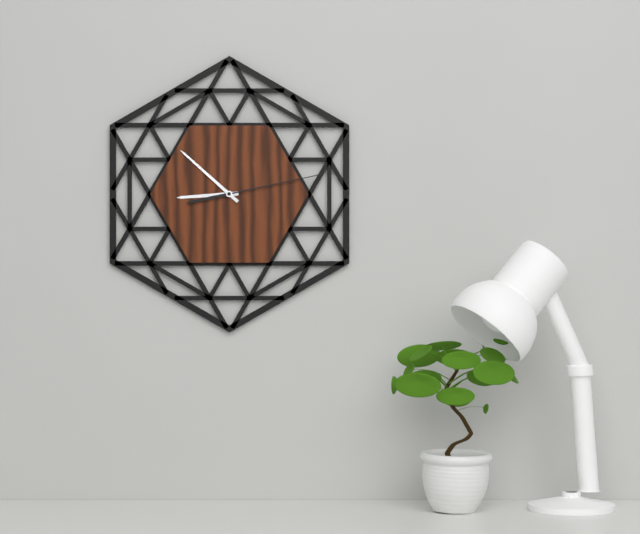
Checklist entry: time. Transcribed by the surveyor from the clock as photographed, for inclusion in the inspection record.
8:52:13
